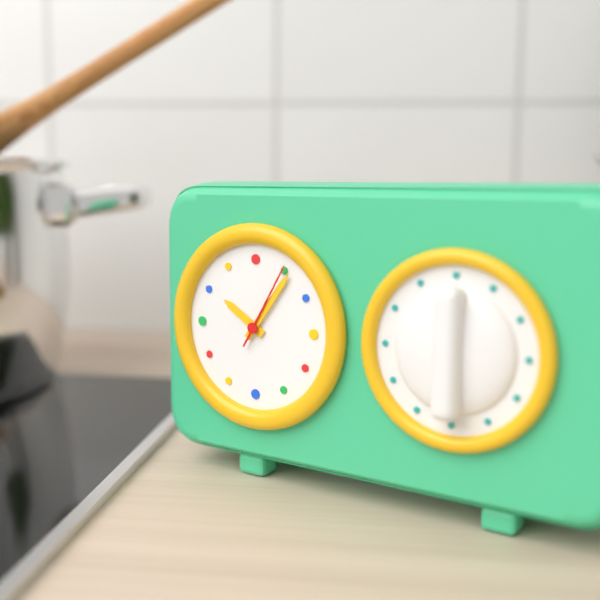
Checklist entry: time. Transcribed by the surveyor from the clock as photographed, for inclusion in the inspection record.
10:06:05
